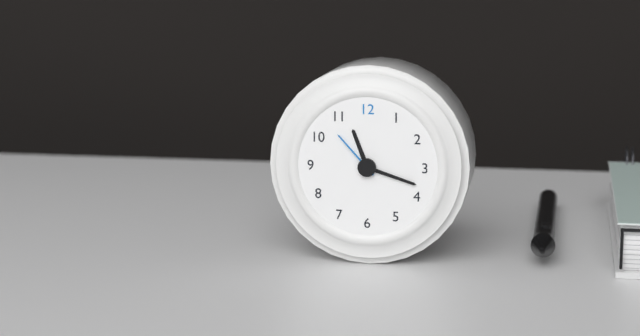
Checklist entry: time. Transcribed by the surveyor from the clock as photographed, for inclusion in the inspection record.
11:18:53
